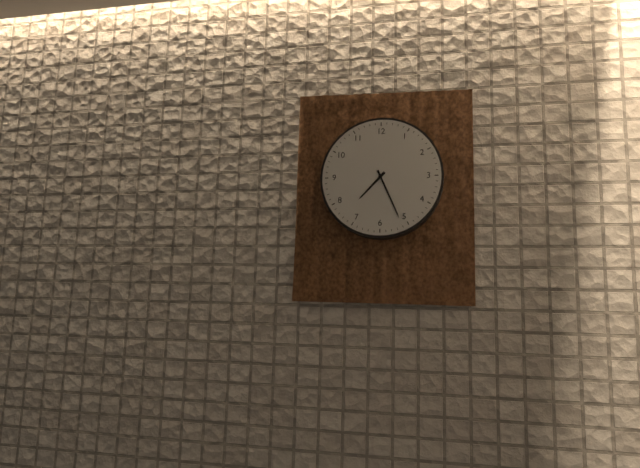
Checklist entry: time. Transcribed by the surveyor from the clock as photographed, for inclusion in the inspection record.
7:26
